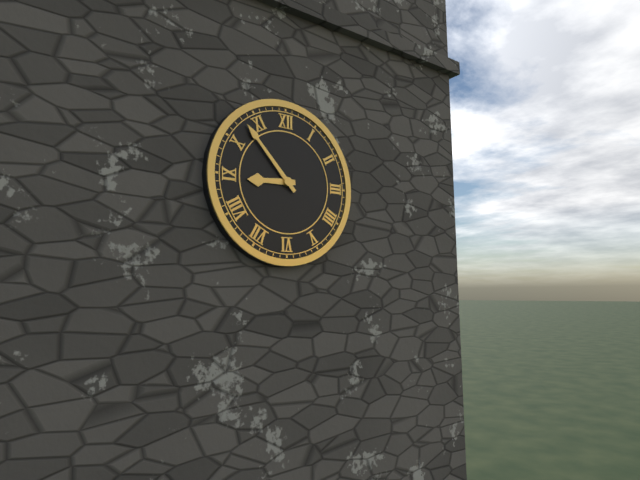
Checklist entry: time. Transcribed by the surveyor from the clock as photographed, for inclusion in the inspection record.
8:53
